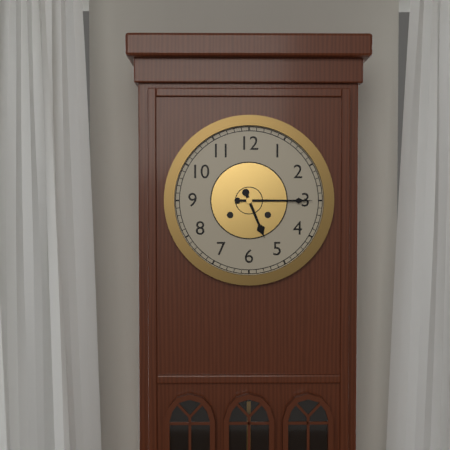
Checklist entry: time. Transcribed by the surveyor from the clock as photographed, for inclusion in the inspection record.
5:15
